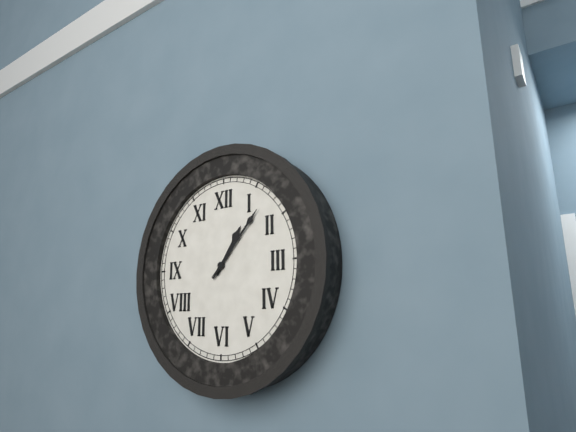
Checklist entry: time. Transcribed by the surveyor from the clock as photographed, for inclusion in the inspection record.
1:07
